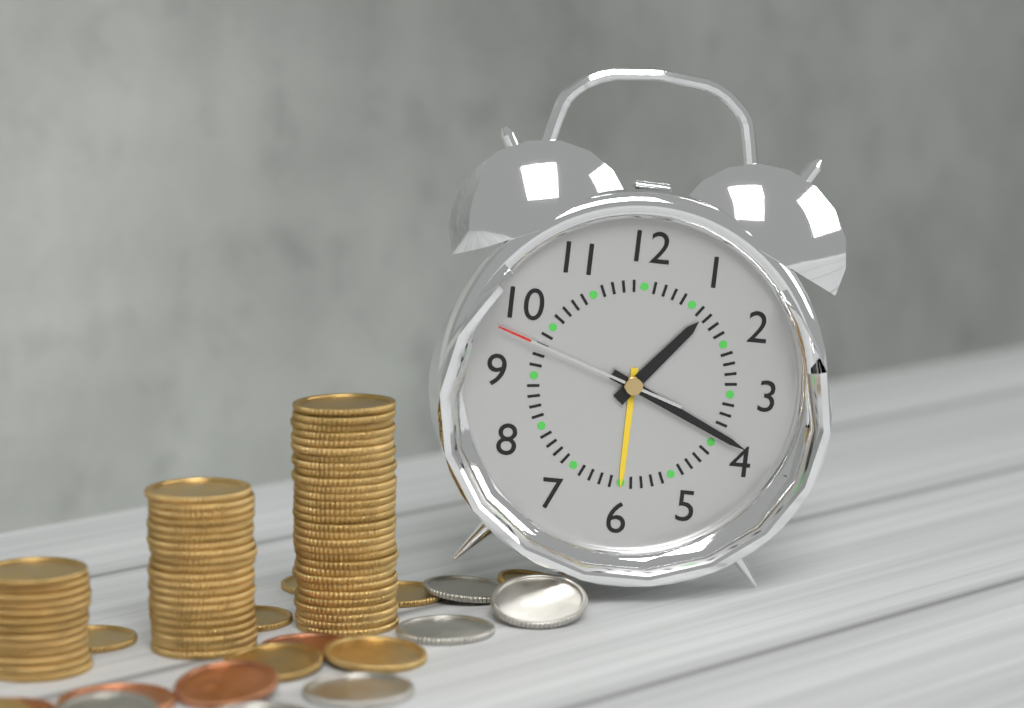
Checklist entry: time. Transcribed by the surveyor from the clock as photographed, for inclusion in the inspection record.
1:19:48
